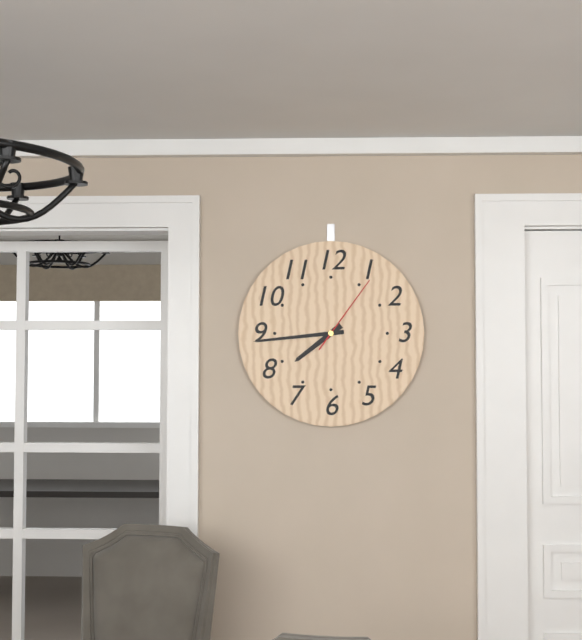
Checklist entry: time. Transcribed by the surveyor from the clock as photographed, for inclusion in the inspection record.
7:44:06
